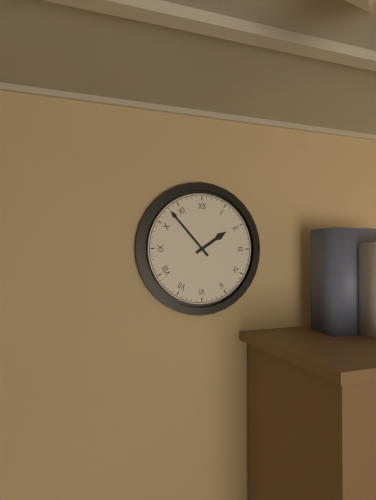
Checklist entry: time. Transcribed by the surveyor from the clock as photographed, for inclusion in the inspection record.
1:53
